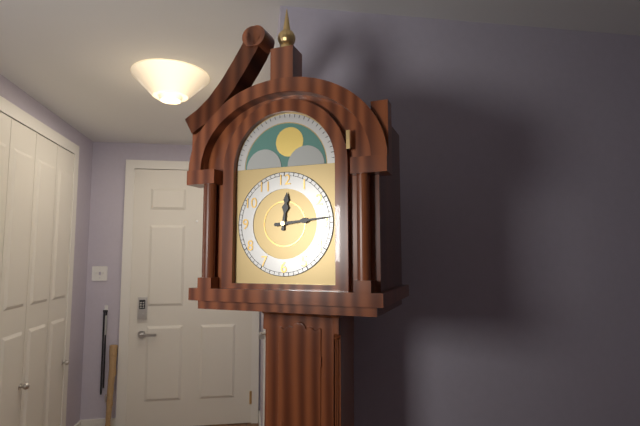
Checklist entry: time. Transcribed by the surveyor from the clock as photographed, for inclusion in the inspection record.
12:14
